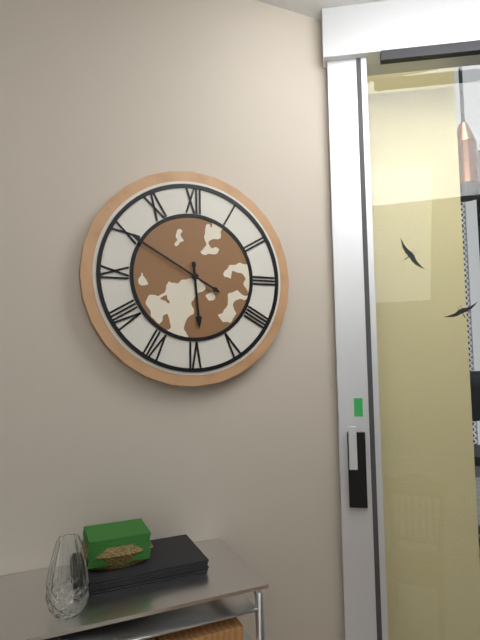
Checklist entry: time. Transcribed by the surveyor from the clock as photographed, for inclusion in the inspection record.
5:50
